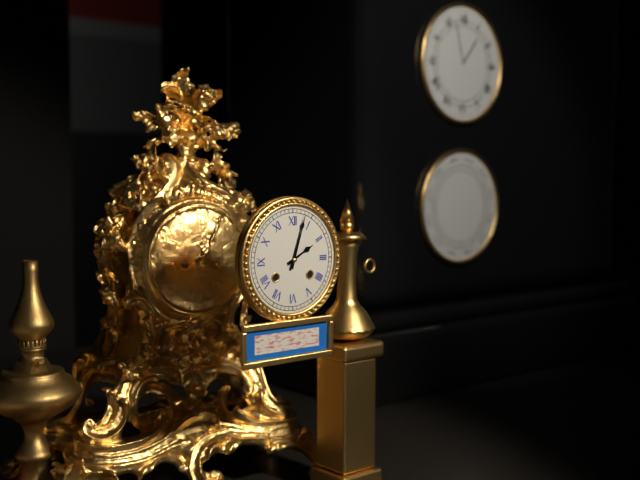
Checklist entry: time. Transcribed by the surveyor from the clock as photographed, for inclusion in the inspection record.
2:03
